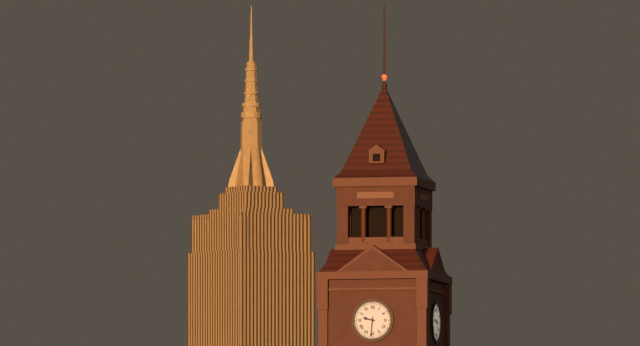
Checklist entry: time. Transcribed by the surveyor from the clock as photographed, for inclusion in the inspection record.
9:31
